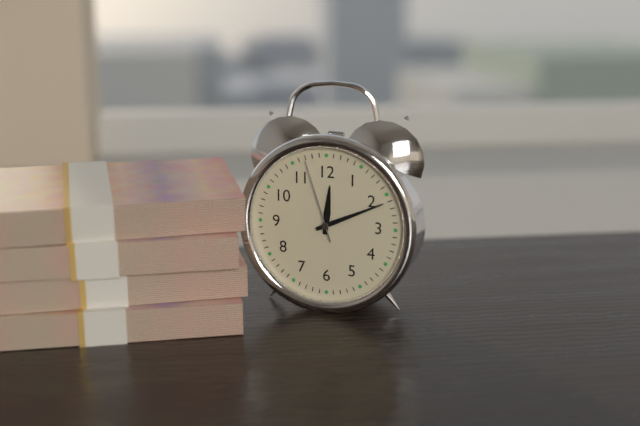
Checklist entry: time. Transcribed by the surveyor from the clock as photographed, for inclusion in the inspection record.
12:11:57
